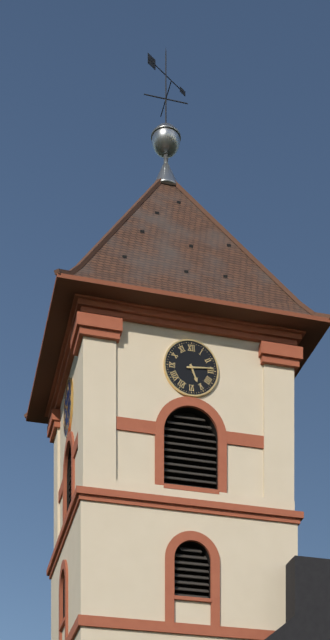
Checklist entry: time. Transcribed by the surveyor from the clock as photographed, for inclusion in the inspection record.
5:14
